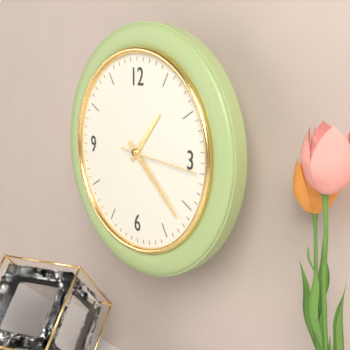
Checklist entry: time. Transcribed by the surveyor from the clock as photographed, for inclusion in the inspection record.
1:22:16
